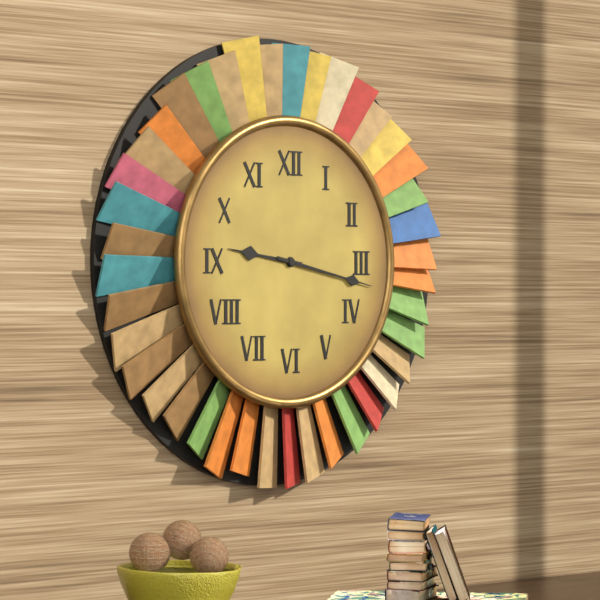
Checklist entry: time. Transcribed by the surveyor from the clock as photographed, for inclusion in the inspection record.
9:17
